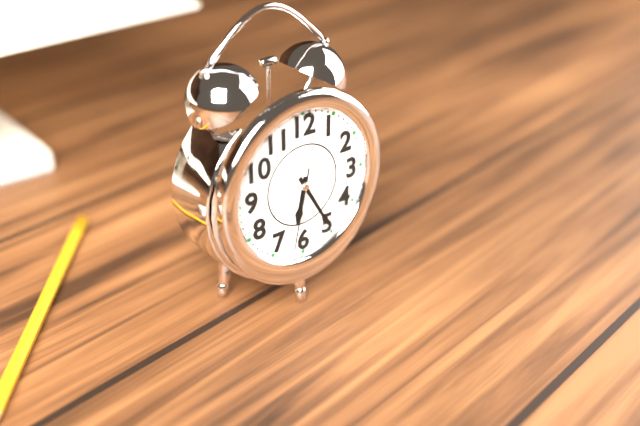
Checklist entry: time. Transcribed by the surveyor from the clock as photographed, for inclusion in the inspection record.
6:25:32
